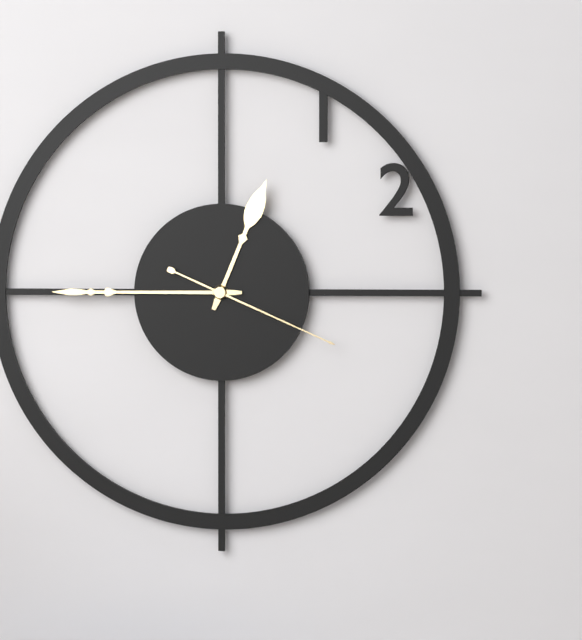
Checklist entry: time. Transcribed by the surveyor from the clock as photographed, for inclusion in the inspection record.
12:45:19
